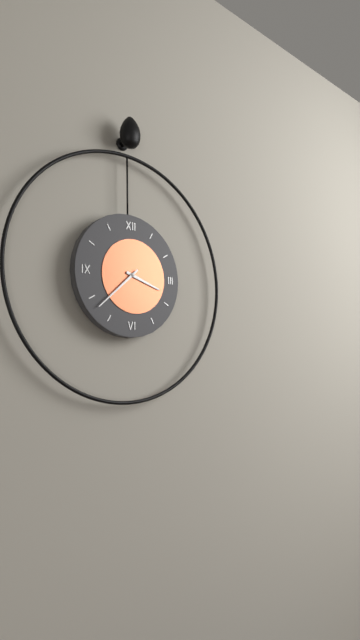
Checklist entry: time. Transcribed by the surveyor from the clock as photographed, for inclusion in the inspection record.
3:38
